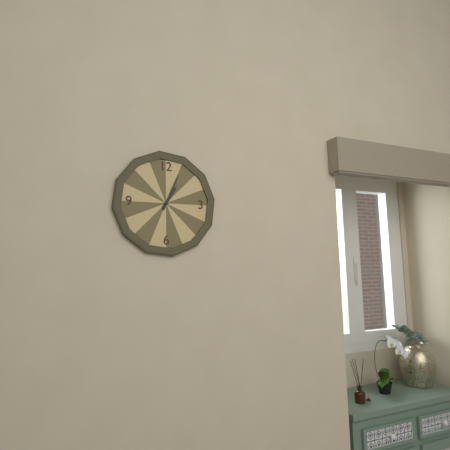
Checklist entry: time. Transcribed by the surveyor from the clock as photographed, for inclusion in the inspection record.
1:04
